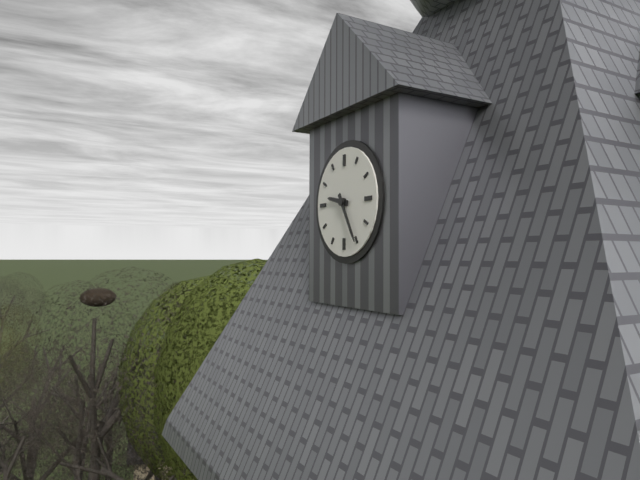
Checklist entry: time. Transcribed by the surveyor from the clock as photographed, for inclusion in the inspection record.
9:25
